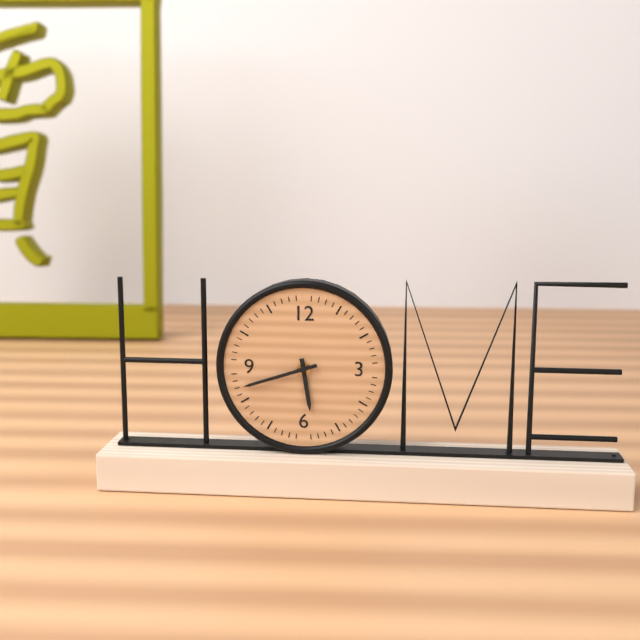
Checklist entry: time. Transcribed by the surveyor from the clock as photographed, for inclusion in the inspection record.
5:42
